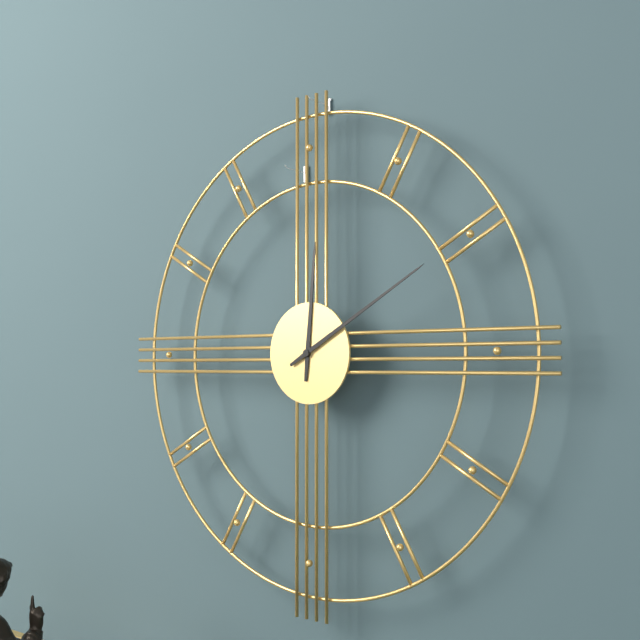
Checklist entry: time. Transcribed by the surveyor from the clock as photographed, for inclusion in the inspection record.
12:10
